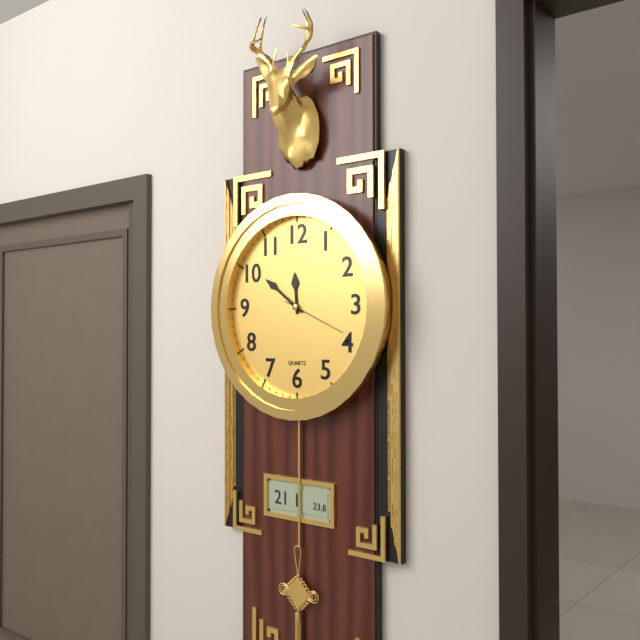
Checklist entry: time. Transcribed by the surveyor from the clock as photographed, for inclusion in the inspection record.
11:51:19
